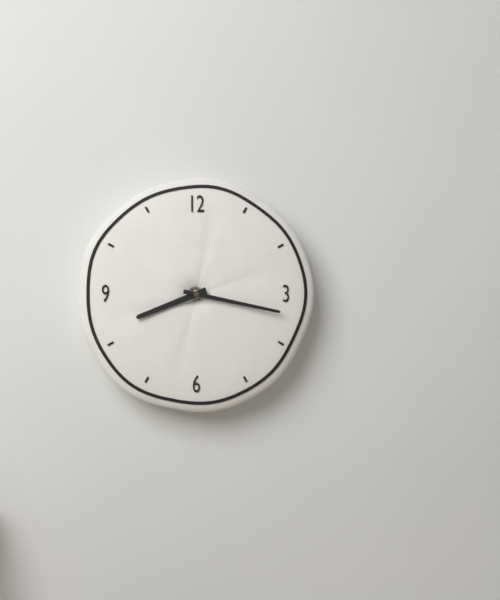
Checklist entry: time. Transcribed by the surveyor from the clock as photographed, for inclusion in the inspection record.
8:17
